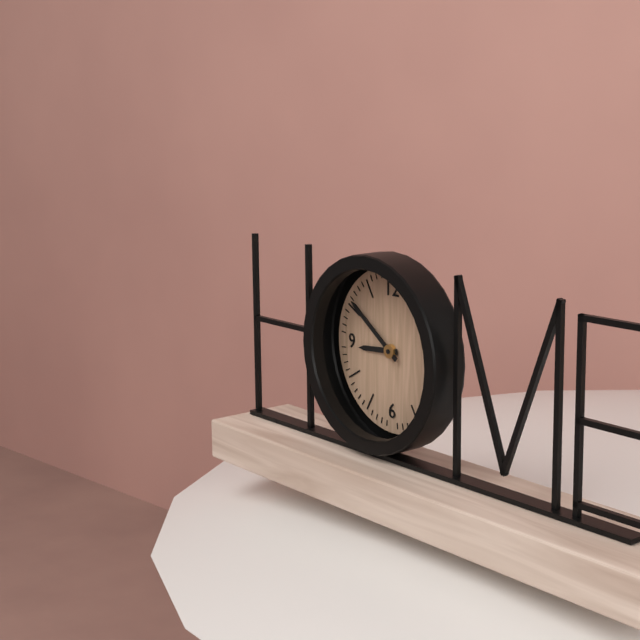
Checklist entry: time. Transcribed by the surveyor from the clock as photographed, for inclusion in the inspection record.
8:51
